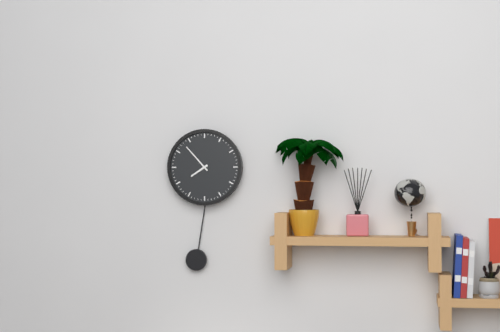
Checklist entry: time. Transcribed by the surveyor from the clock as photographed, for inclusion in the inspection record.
7:53
